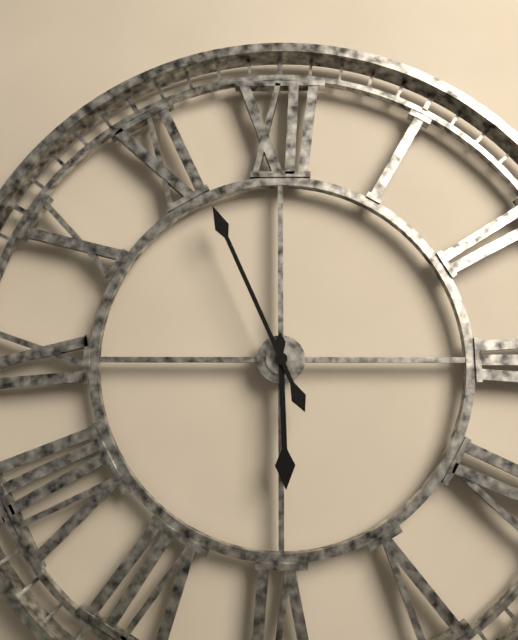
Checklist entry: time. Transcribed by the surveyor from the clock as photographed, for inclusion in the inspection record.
5:56
